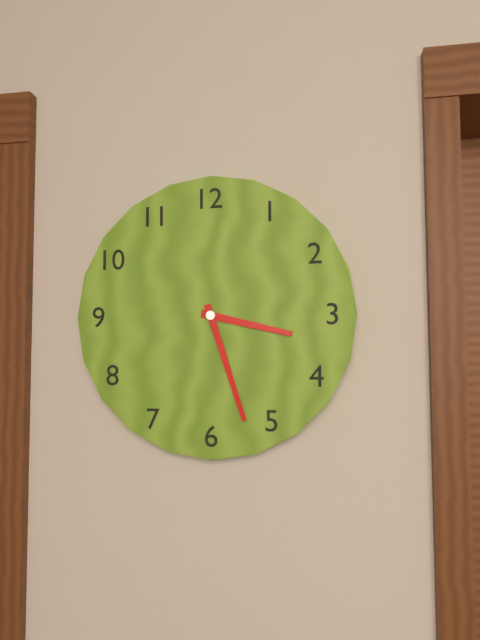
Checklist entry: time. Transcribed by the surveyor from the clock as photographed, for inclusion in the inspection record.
3:27
